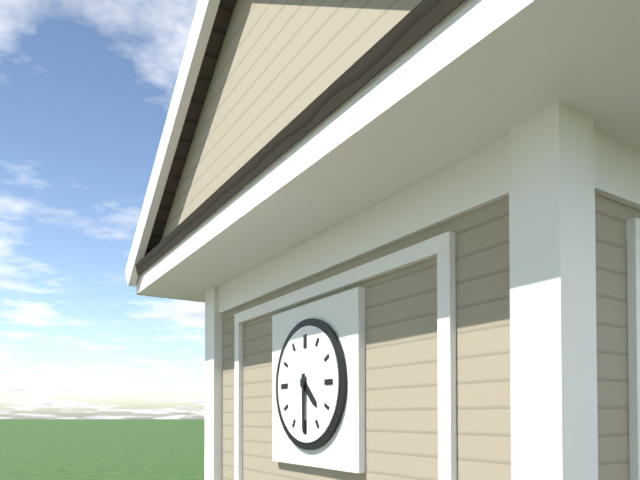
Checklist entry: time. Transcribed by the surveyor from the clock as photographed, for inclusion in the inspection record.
4:30
